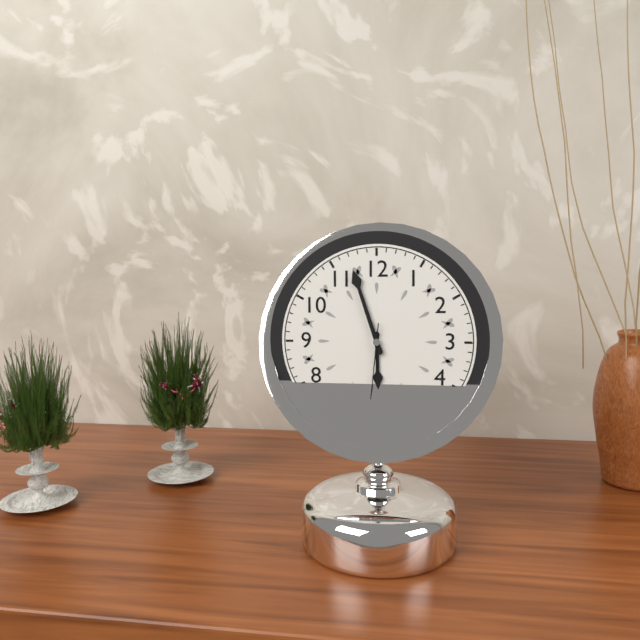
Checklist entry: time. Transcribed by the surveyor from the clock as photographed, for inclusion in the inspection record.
5:57
